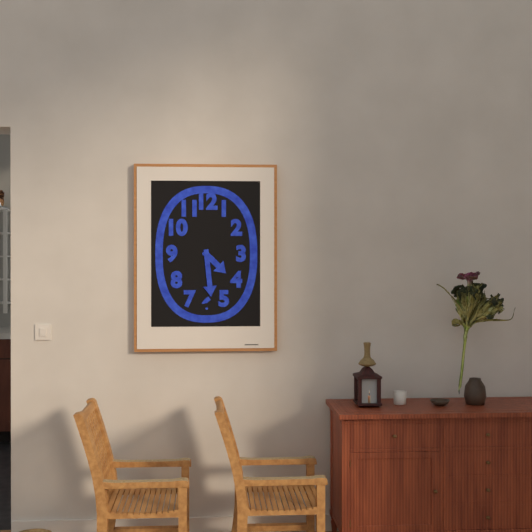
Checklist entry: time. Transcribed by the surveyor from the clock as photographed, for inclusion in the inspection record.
4:29
